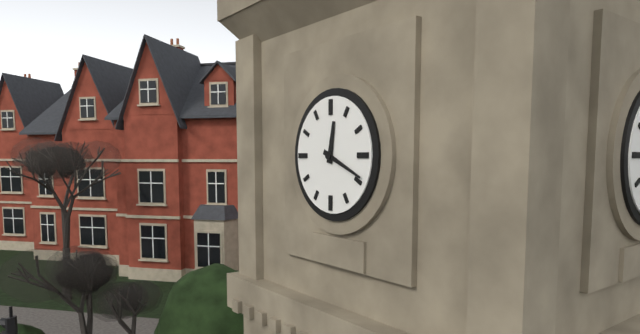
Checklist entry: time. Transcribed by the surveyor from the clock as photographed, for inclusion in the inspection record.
12:19
